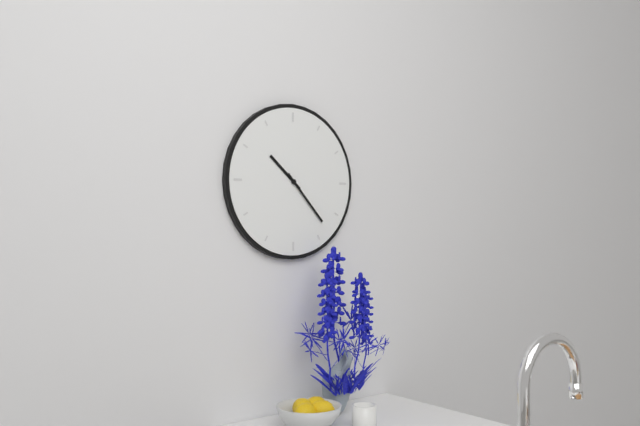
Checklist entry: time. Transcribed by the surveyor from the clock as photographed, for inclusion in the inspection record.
10:23
